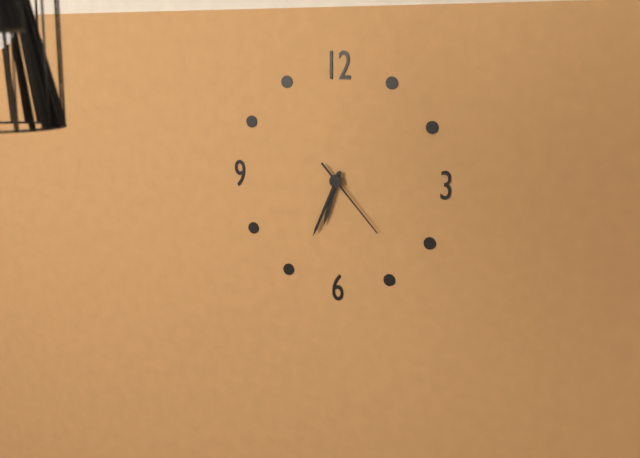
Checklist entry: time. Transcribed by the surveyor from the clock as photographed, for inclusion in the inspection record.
6:34:23
